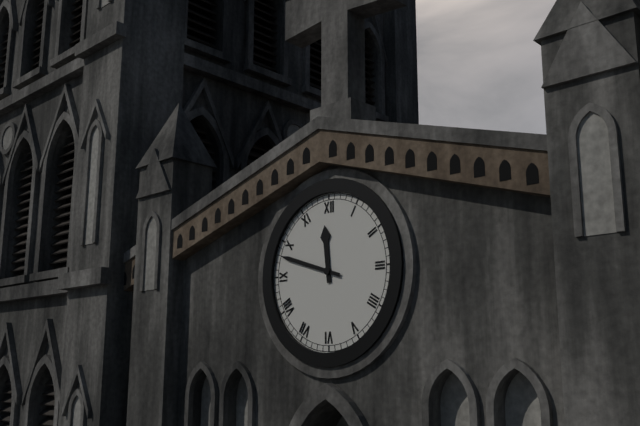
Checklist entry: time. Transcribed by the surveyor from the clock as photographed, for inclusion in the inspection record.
11:48
